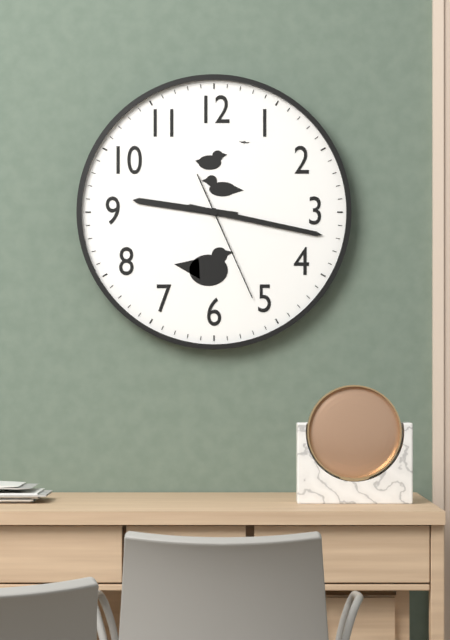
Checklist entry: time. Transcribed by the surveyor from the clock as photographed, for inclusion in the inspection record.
9:17:26
